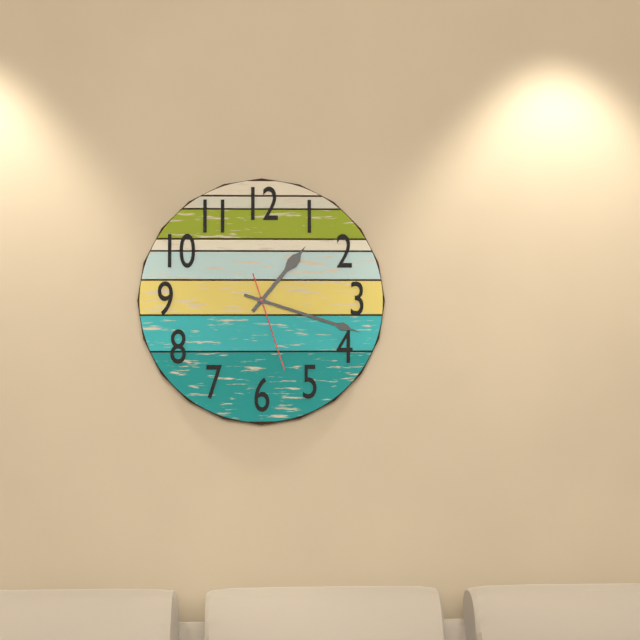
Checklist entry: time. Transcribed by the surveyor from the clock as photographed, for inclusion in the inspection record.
1:18:27
